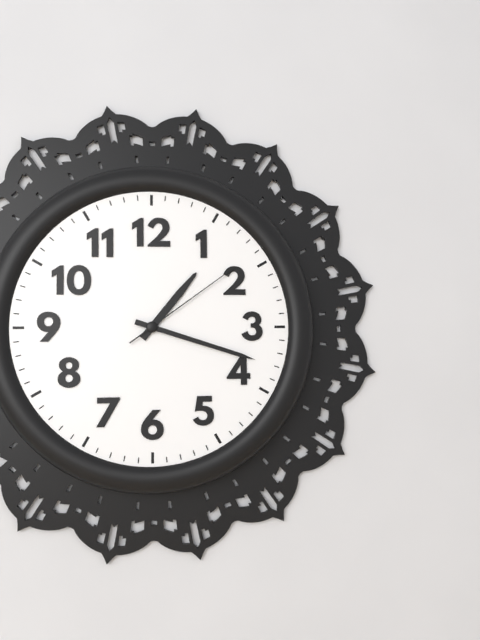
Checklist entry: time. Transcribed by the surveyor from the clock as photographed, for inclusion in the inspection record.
1:18:09
